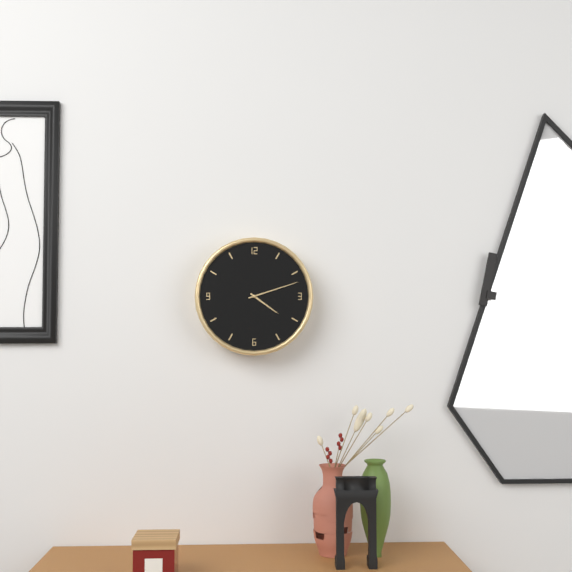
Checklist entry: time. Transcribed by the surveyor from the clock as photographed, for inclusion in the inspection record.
4:12
